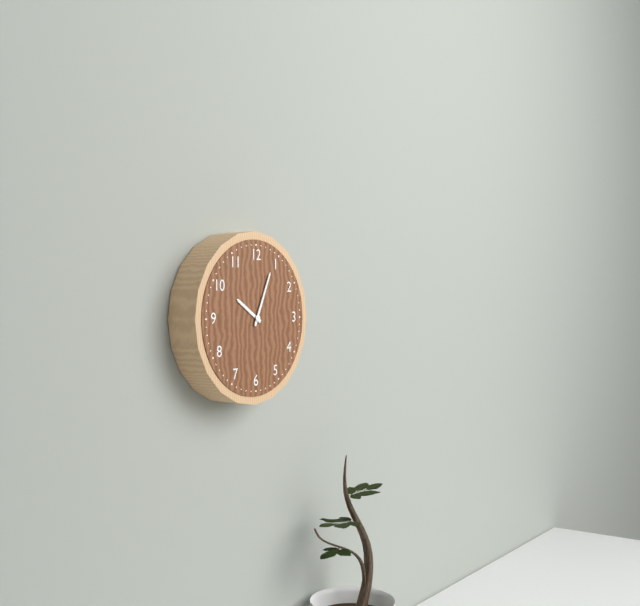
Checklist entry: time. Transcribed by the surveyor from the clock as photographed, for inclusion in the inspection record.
10:04
